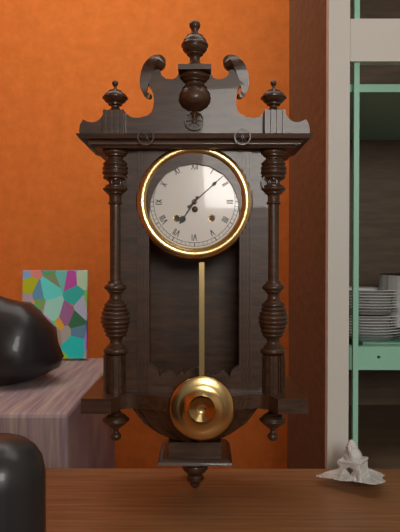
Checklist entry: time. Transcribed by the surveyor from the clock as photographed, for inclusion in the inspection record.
7:08
